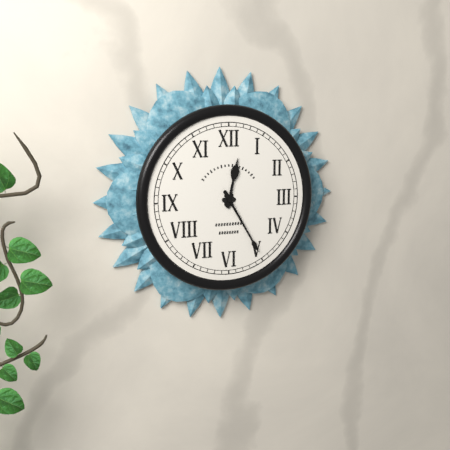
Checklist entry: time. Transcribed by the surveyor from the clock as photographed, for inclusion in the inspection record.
12:25
